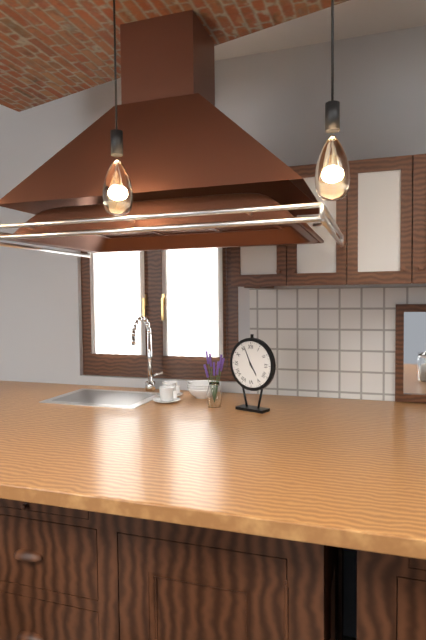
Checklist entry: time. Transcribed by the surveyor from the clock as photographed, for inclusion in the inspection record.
4:56
